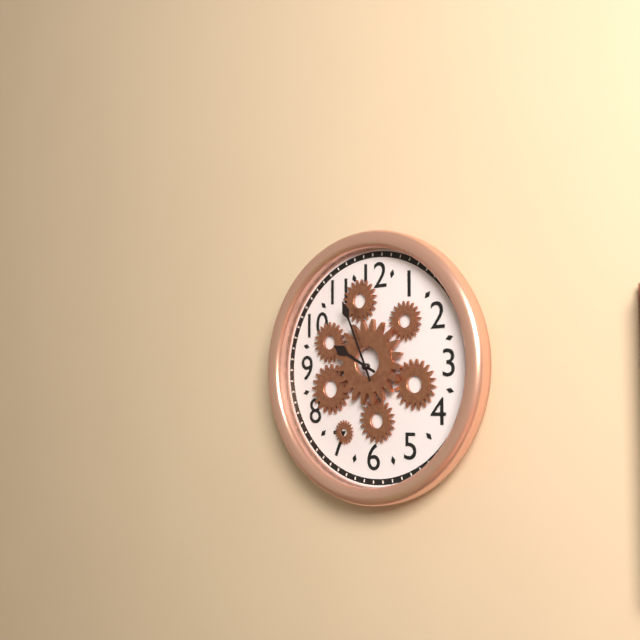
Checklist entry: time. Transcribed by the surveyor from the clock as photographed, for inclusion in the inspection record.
9:56
